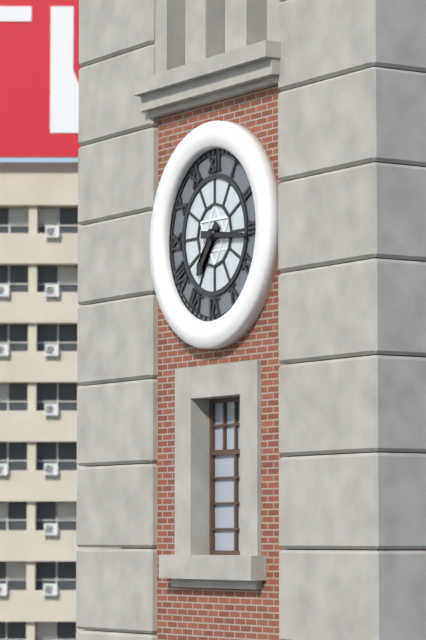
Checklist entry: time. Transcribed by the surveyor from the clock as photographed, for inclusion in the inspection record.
7:16
